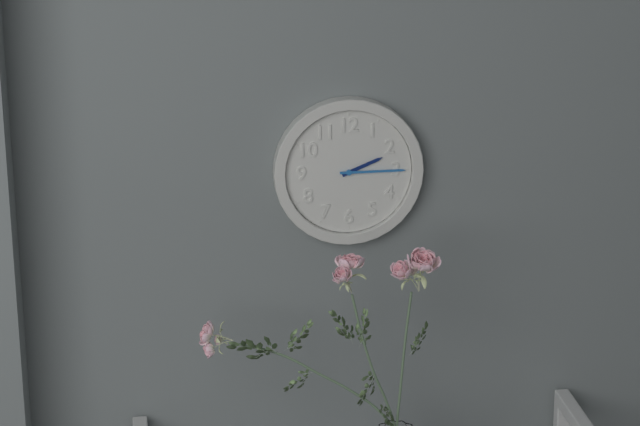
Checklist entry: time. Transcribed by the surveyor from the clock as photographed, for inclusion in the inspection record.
2:15
